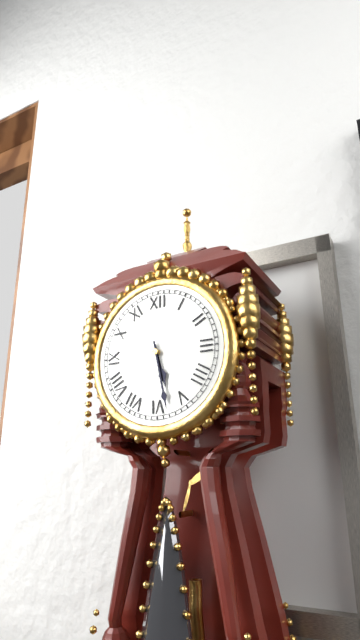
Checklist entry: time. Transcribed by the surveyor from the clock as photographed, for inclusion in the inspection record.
5:28
